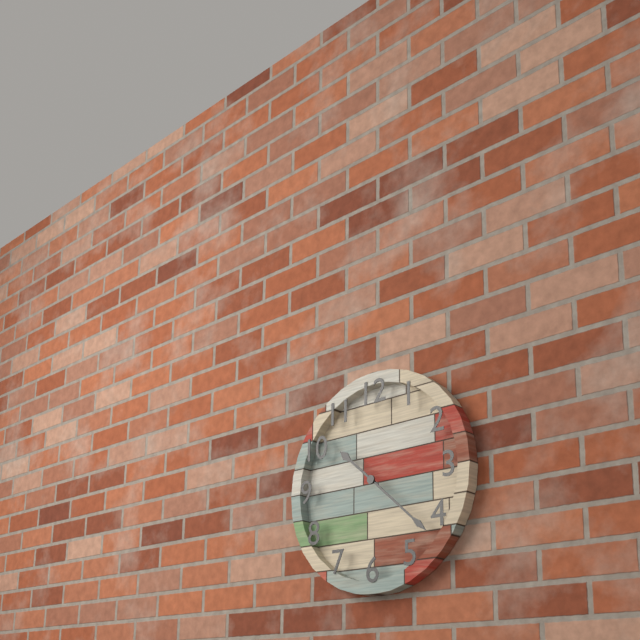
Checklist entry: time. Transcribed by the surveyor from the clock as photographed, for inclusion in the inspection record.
10:22
